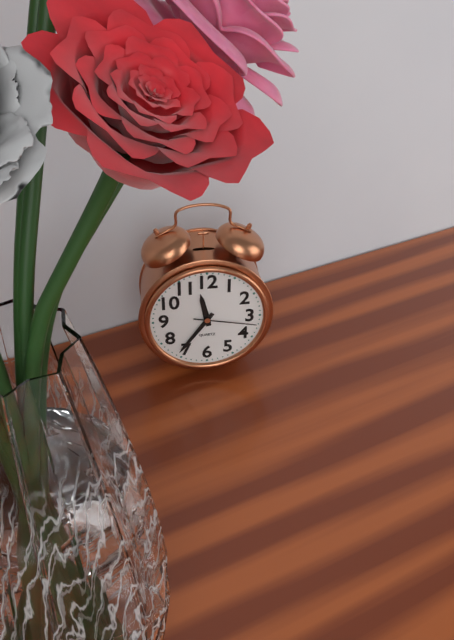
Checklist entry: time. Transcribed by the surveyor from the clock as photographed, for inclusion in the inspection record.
11:36:17
